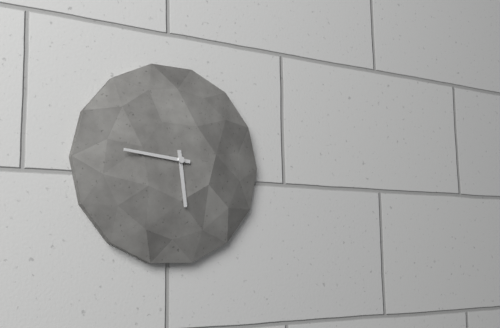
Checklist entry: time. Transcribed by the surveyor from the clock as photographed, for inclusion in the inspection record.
5:46
